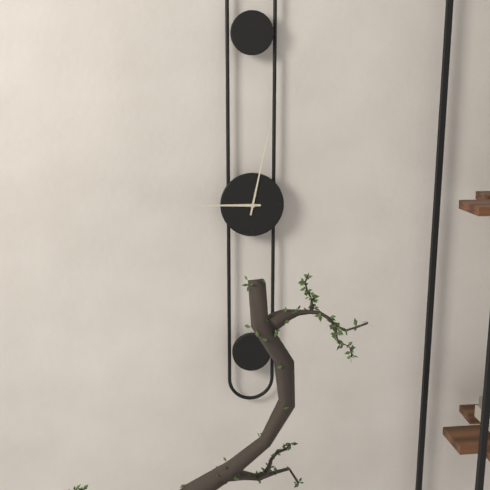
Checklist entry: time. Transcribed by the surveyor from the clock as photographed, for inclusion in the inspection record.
9:02
